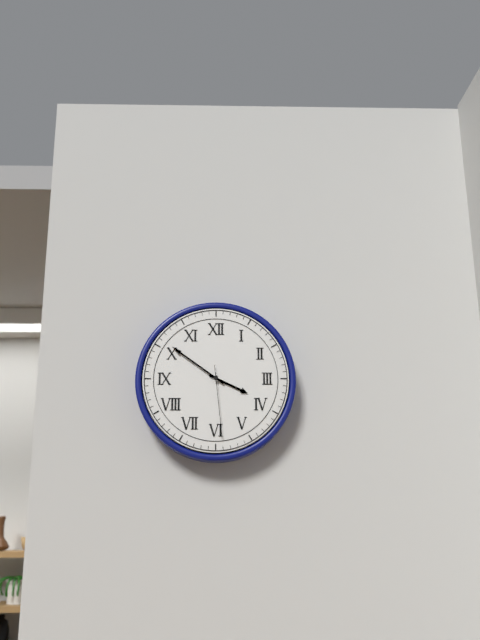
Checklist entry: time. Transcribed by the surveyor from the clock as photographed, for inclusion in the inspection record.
3:51:29
